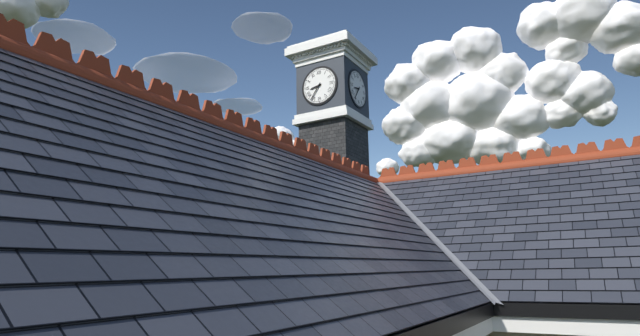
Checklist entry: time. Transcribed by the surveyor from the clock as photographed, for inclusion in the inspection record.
8:36
